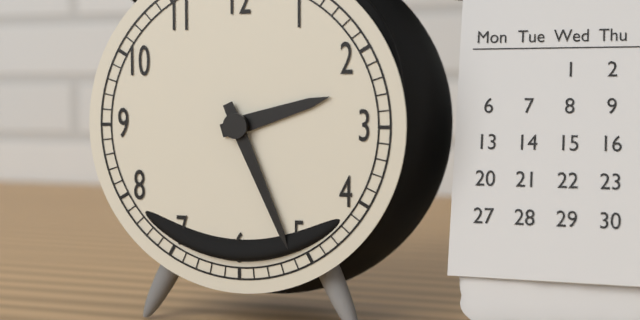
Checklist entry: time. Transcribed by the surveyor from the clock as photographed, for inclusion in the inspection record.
2:26
